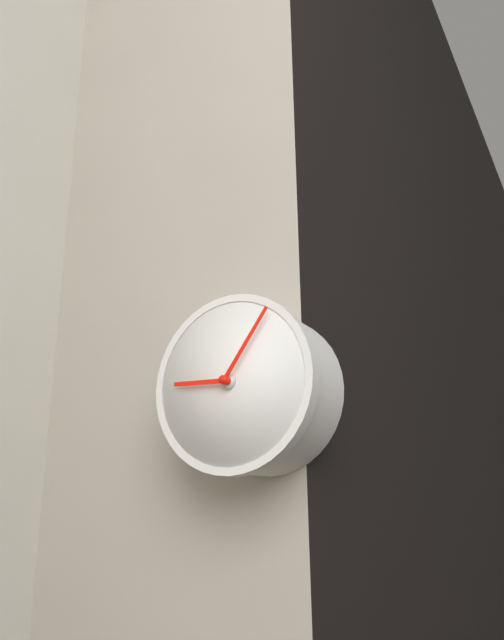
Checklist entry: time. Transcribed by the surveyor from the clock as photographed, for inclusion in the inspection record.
9:06
